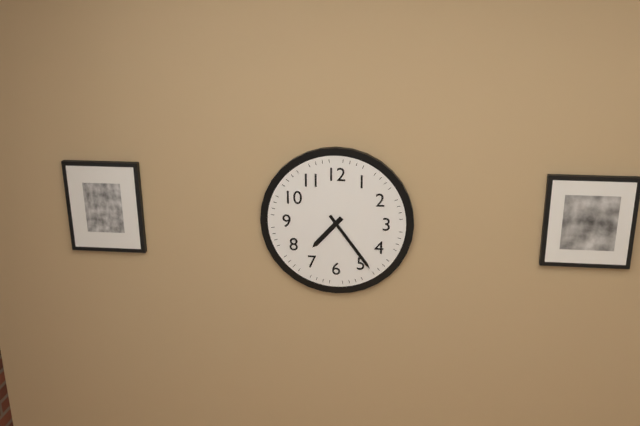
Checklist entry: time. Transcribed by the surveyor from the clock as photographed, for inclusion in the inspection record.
7:24
